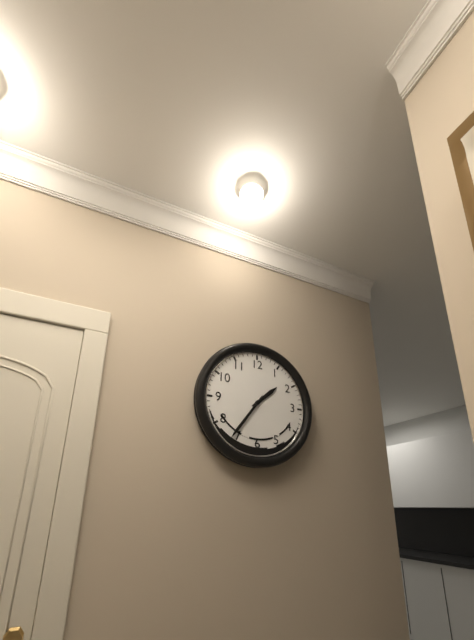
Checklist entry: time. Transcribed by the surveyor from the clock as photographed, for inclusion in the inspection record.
1:36
